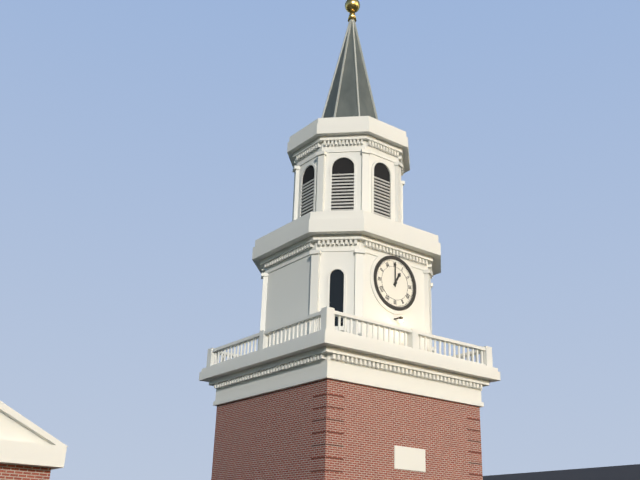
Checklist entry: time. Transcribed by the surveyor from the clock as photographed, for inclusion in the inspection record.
1:00
